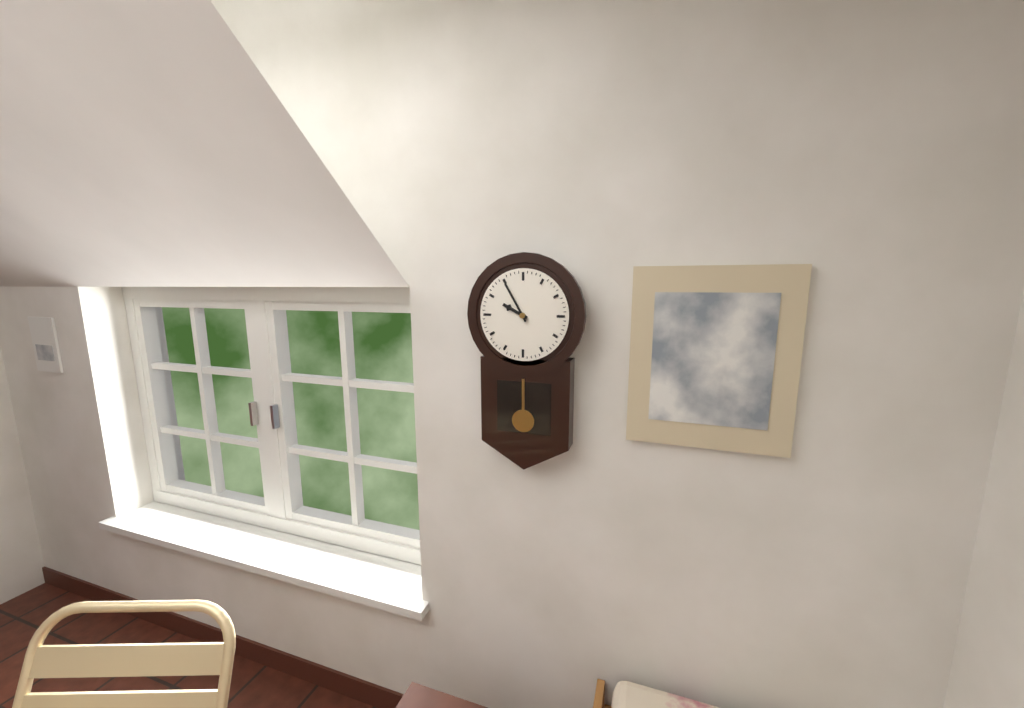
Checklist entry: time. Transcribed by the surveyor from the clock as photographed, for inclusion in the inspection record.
9:55
